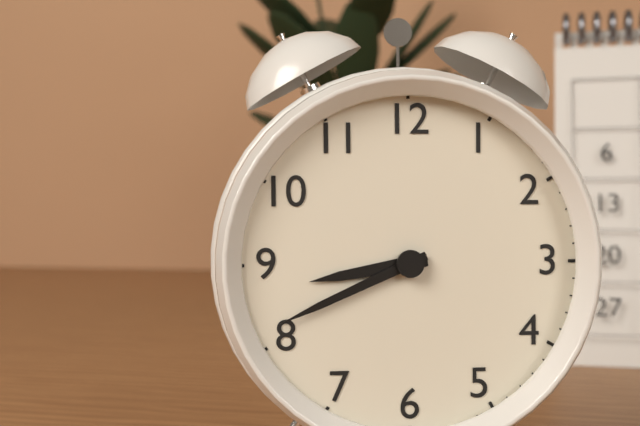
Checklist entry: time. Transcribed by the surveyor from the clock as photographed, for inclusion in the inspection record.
8:41
